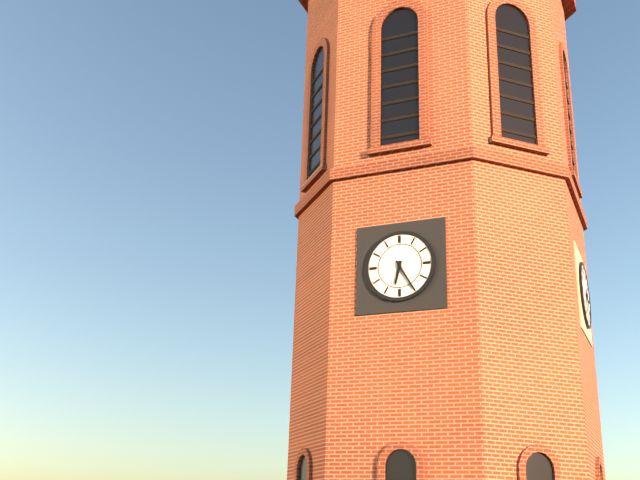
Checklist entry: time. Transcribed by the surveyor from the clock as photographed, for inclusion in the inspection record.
6:25
